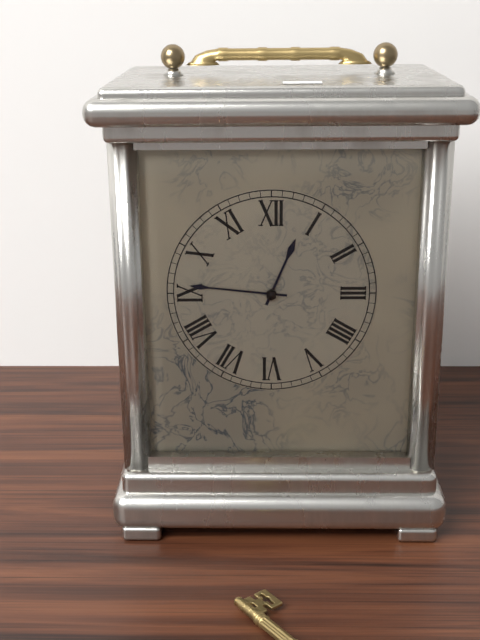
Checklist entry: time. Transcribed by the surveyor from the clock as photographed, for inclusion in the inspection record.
12:46
